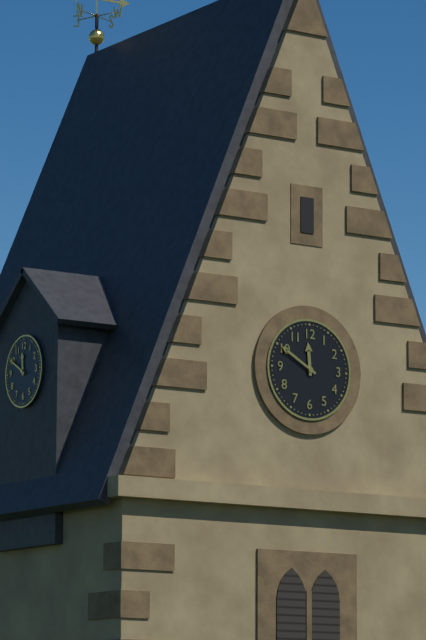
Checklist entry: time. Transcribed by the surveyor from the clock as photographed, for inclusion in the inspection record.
11:50
